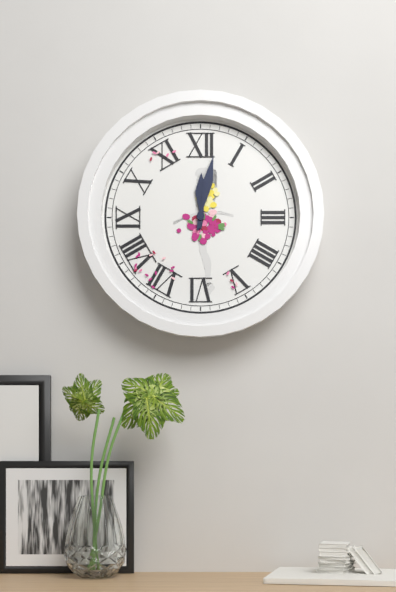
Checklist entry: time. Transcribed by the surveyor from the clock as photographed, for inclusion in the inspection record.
12:02
